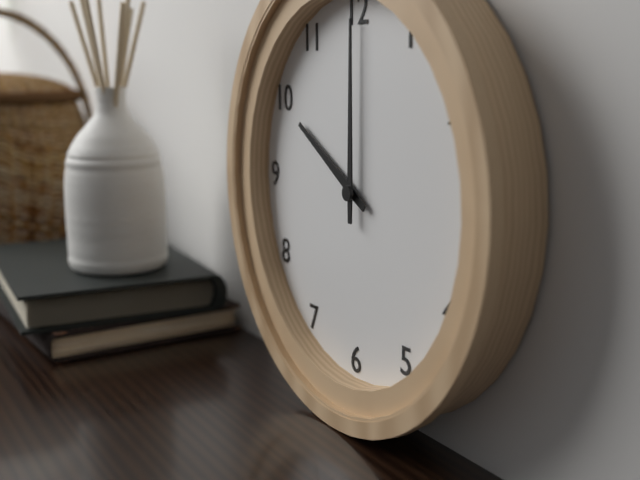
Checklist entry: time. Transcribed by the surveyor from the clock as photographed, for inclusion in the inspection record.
10:00
